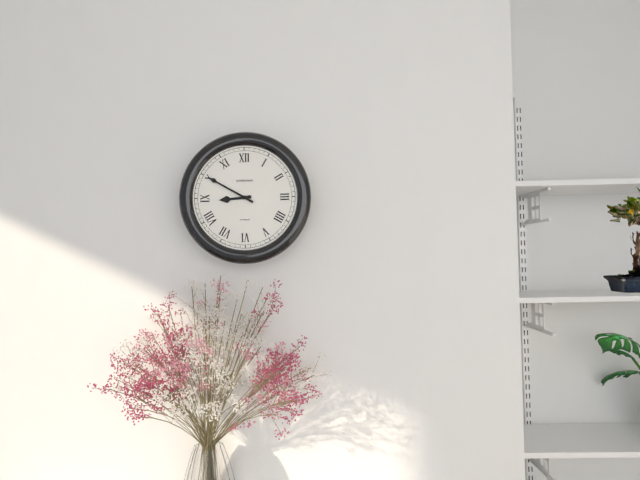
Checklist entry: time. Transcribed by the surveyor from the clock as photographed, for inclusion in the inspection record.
8:50
